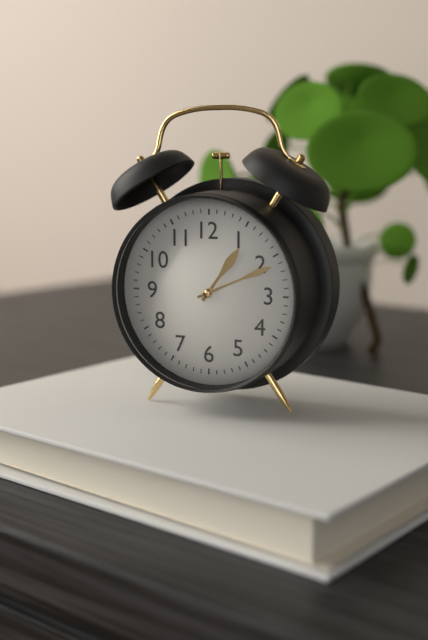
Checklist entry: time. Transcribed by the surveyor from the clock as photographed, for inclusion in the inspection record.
1:11
